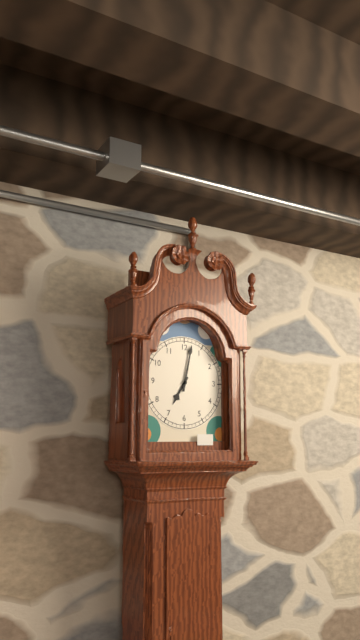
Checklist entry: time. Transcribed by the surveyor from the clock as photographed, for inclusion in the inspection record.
7:02
